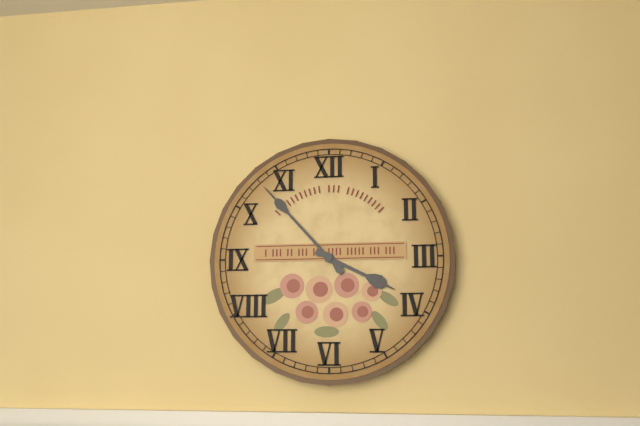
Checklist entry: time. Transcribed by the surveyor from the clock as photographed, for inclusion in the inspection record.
3:53
